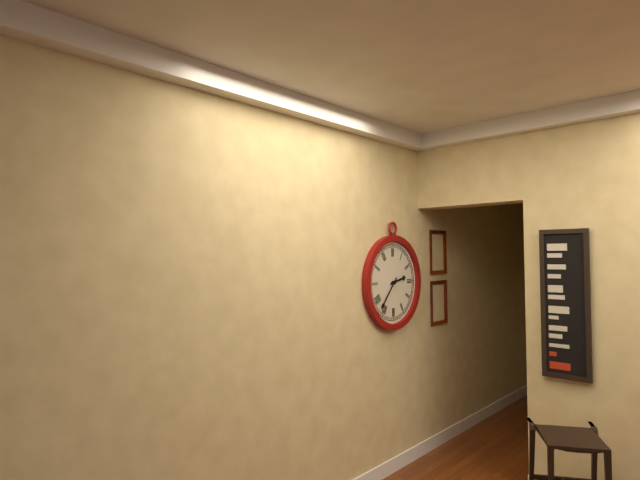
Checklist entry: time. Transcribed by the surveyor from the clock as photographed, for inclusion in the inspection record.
2:37
